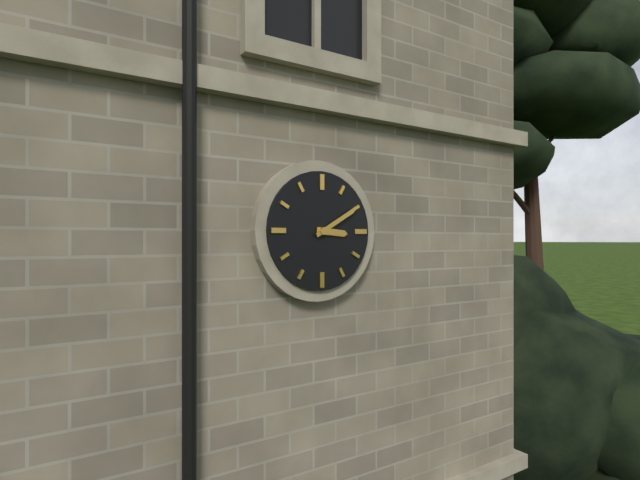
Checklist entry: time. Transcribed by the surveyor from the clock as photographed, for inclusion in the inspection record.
3:10
